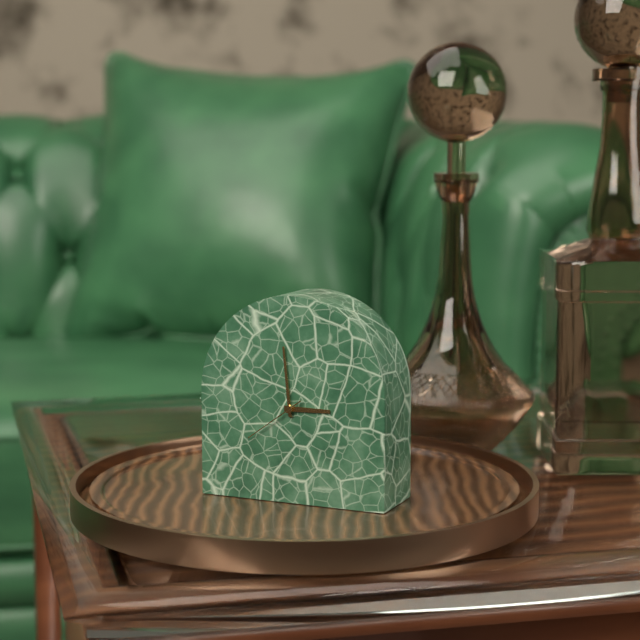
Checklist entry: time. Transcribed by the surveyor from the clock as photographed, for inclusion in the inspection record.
2:59:39
